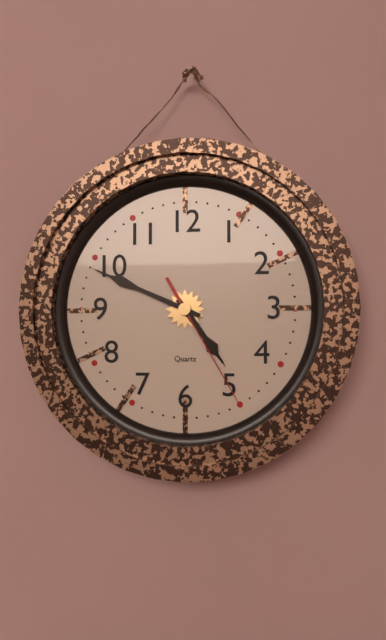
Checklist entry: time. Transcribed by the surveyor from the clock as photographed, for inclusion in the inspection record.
4:49:25
